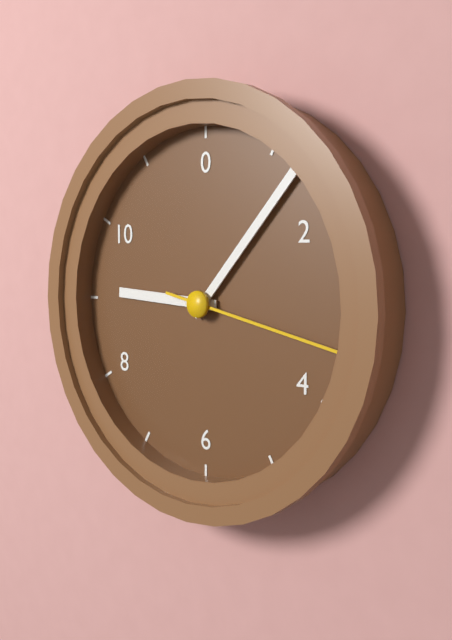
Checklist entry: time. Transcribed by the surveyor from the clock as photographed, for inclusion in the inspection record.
9:07:17
